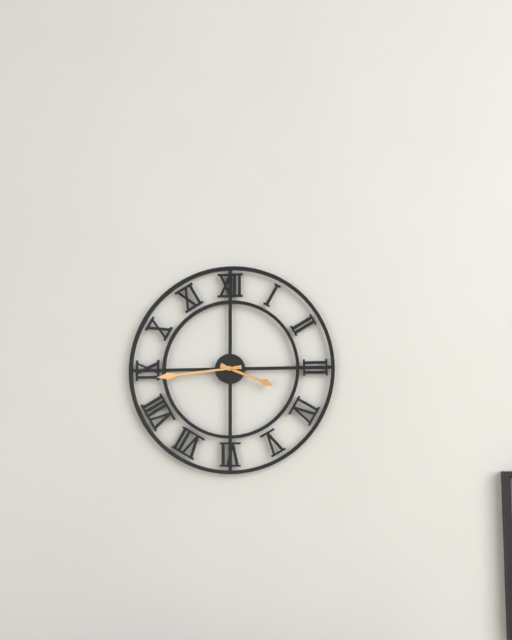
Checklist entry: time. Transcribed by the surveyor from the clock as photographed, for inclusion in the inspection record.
3:44
